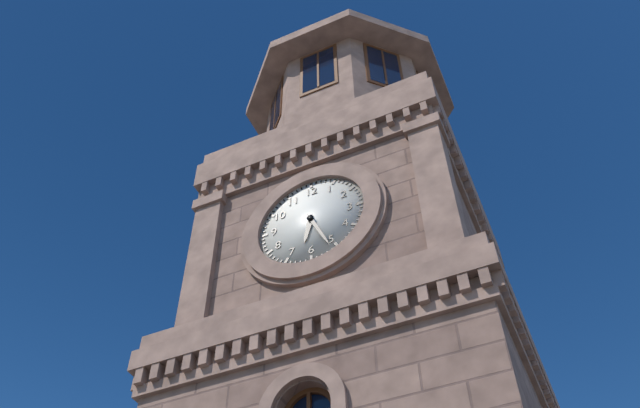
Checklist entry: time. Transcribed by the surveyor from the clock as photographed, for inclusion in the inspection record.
6:26
